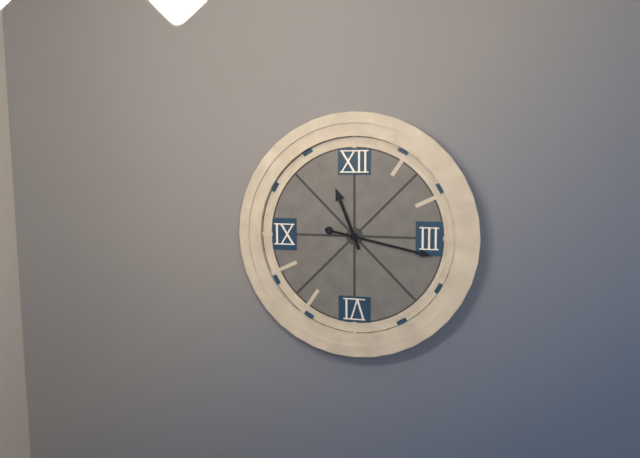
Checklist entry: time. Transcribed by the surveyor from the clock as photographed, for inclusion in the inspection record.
11:17
